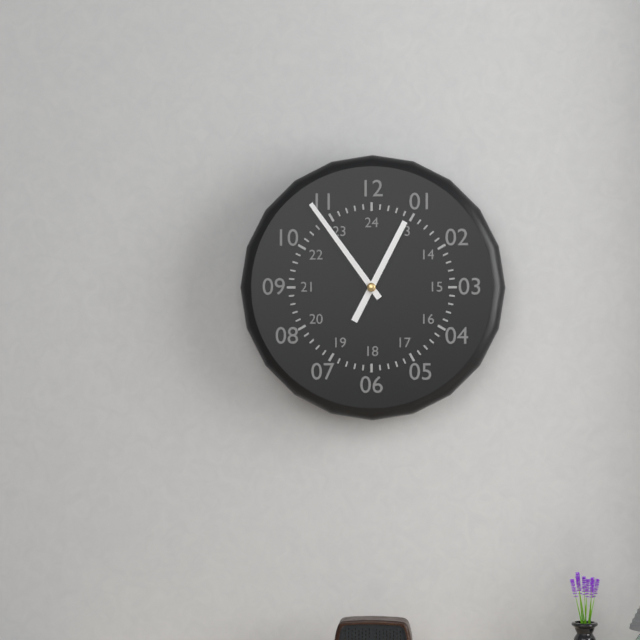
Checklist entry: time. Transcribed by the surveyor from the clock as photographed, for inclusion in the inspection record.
12:54
